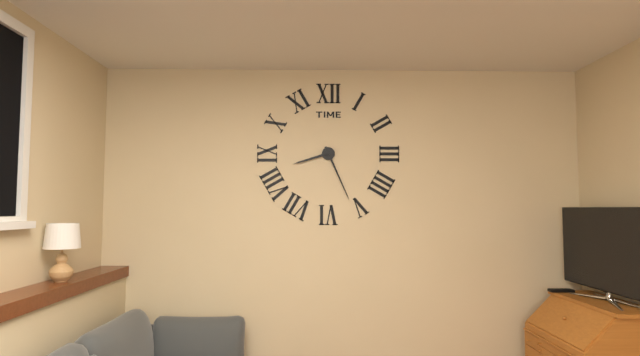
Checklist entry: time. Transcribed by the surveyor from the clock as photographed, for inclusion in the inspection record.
8:26
